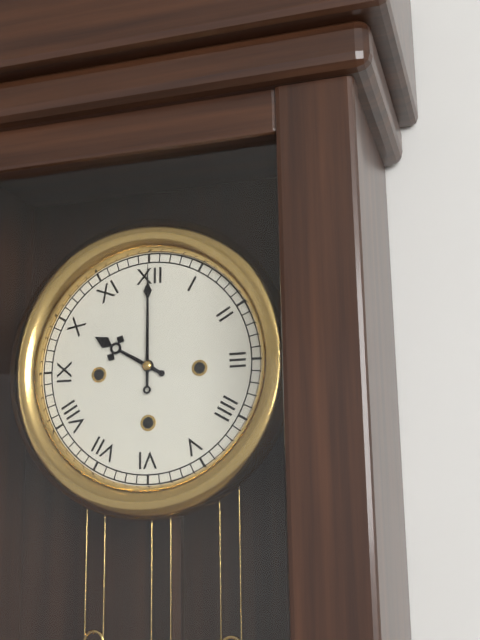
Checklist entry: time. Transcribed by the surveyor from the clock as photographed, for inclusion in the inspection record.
10:00
